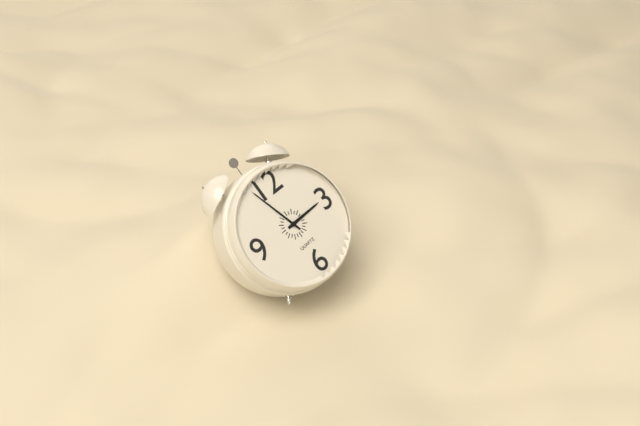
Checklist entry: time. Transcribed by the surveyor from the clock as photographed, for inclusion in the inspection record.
2:57
